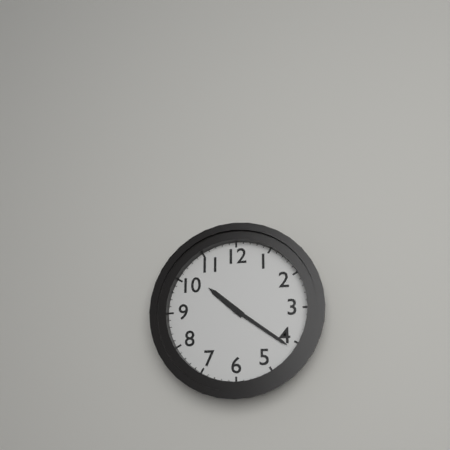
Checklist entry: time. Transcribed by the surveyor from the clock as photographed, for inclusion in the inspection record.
10:21
